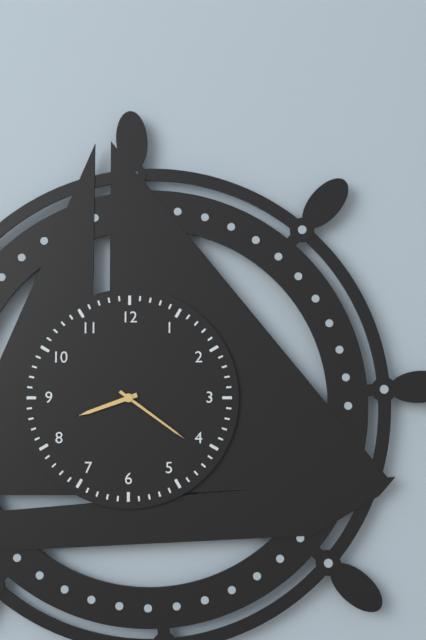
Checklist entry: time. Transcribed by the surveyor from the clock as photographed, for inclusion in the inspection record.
8:21
